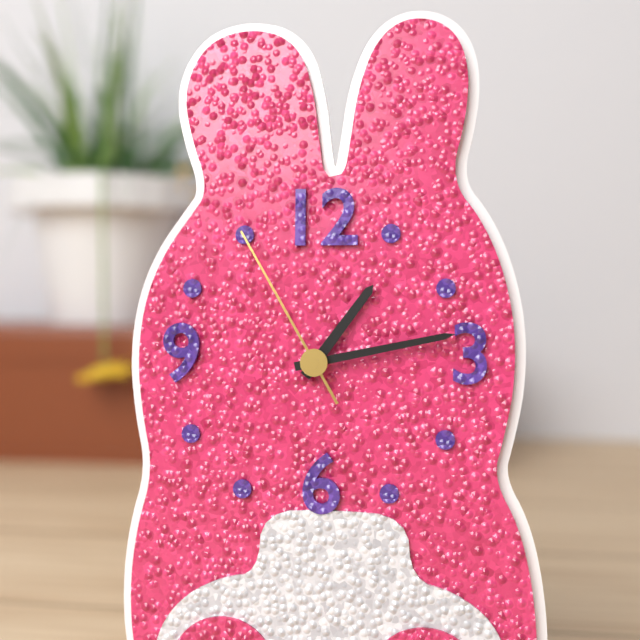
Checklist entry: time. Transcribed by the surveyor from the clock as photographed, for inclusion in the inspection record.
1:13:55
